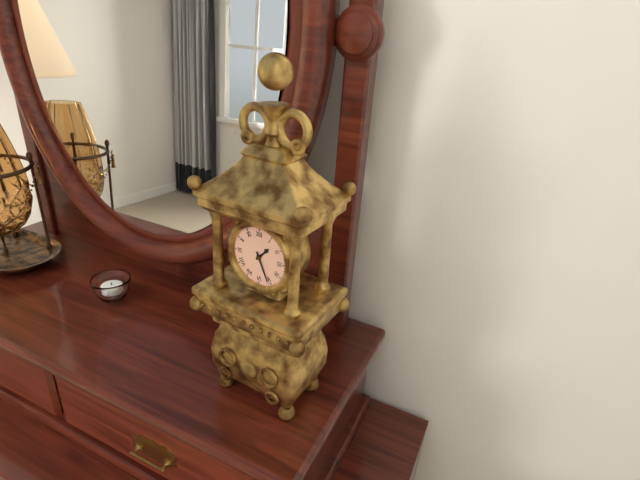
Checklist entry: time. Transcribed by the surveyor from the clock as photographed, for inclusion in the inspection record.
1:26
